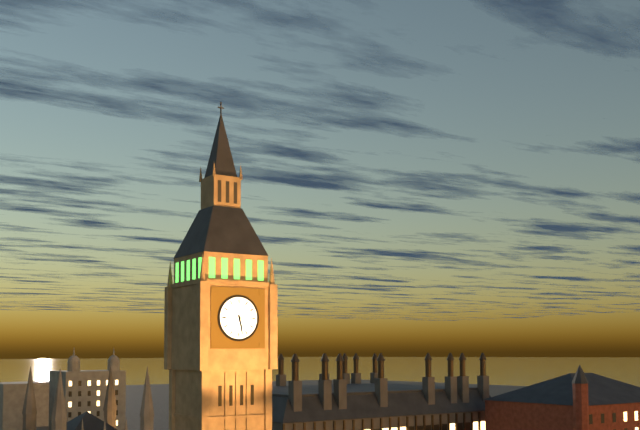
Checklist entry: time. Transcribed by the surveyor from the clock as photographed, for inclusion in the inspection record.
5:28
